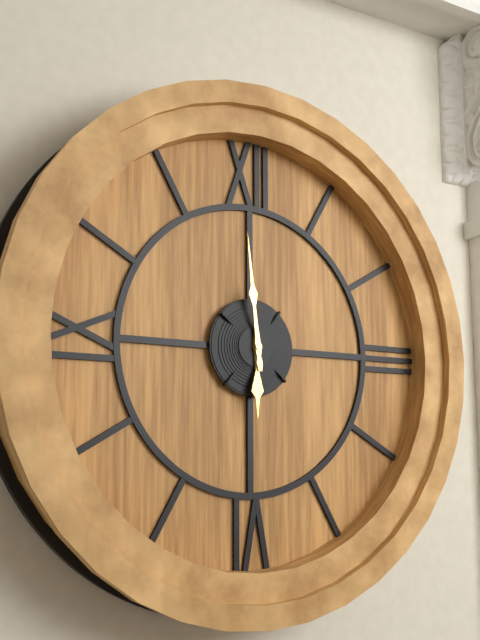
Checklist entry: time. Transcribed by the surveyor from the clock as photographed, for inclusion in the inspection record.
5:59
